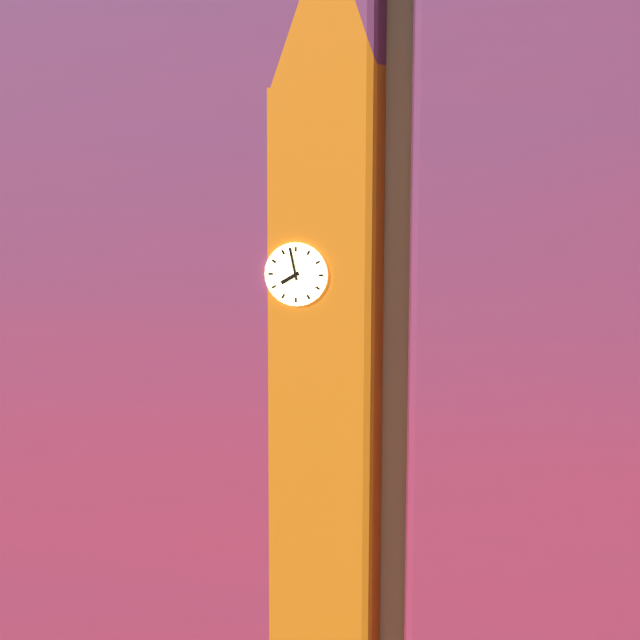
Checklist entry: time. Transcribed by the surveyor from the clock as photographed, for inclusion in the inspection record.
7:58
